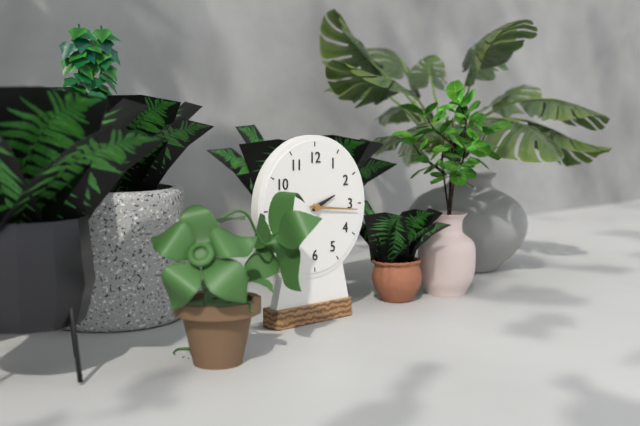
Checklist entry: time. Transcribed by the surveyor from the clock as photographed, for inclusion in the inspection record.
2:16
